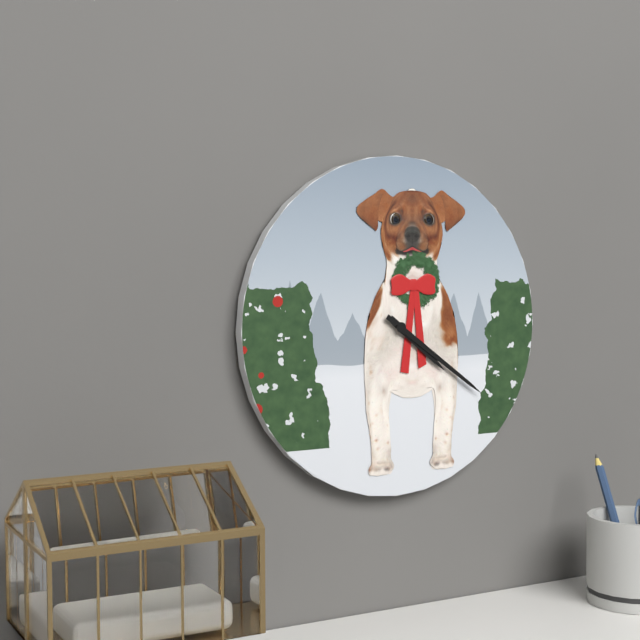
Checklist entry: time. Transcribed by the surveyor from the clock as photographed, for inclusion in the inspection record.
4:21
